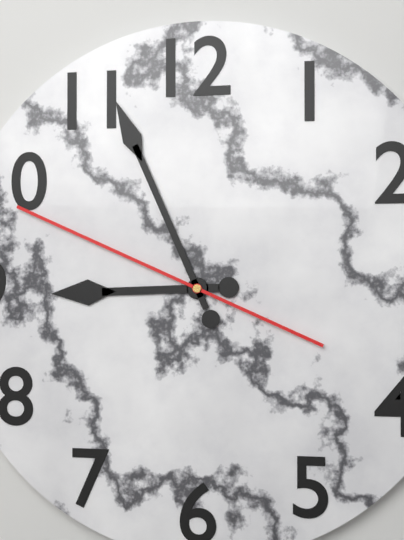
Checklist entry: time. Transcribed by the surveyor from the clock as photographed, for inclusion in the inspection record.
8:56:49
